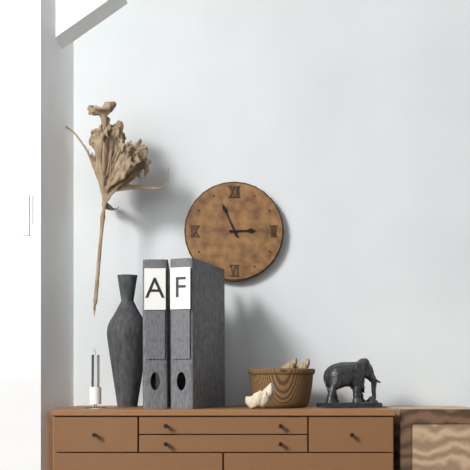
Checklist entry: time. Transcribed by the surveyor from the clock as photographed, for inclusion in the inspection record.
2:56
